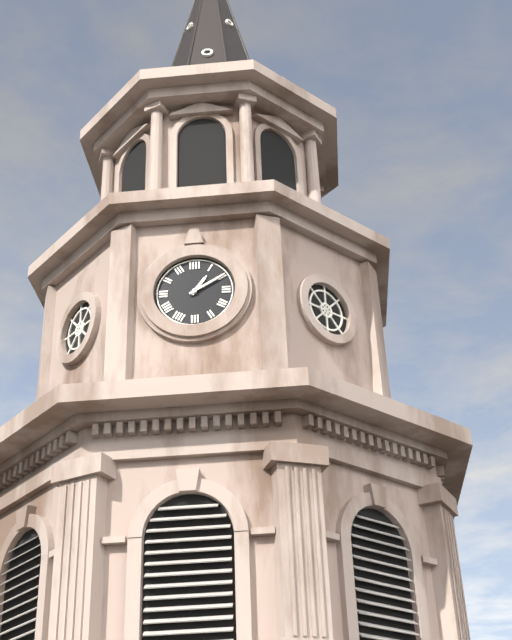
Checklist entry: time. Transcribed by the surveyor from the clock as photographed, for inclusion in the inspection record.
1:10
